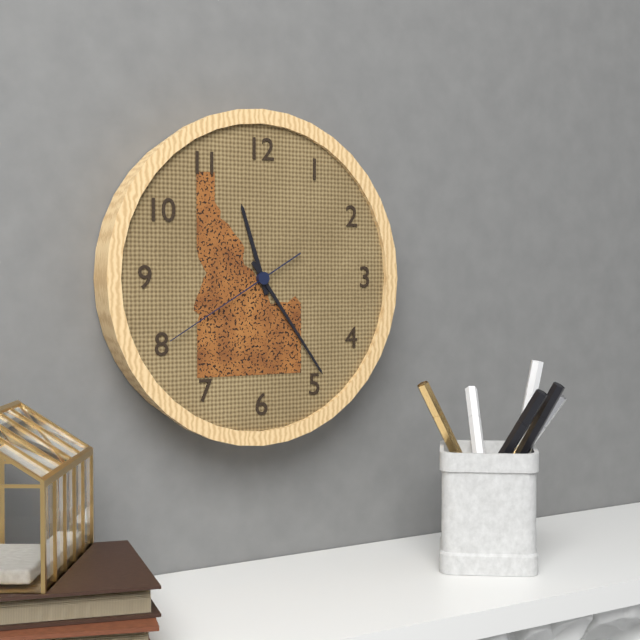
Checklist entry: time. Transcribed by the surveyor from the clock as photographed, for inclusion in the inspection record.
11:24:40
